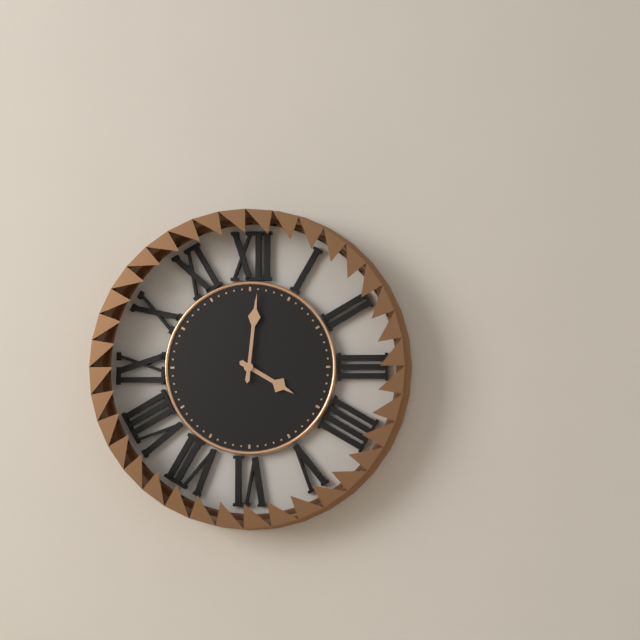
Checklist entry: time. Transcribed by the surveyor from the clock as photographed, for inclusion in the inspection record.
4:01
